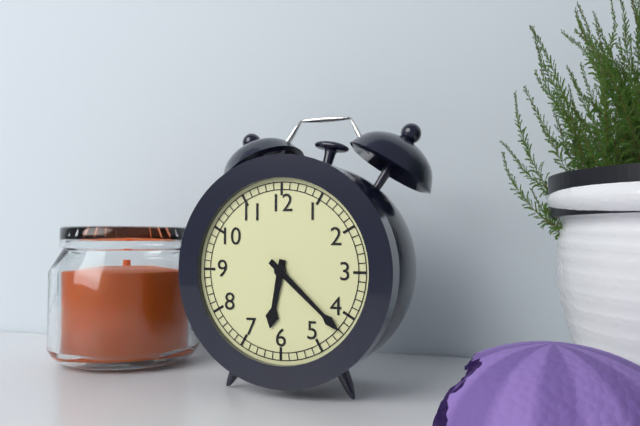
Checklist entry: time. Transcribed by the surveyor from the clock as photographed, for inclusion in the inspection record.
6:22
